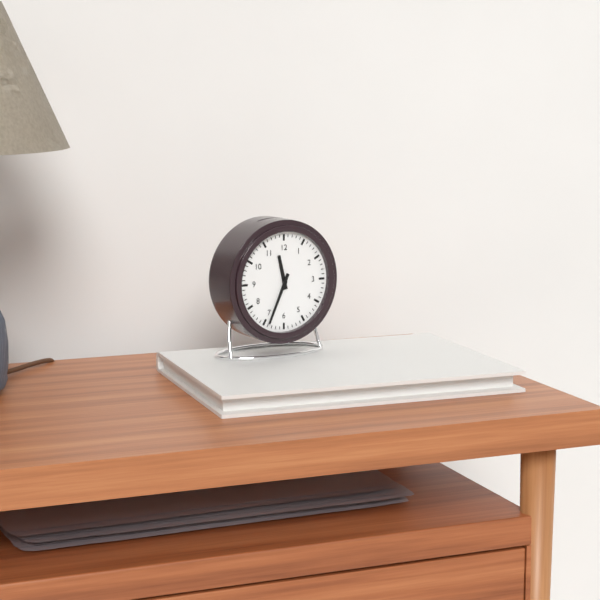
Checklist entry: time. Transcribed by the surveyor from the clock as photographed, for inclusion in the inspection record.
11:34
